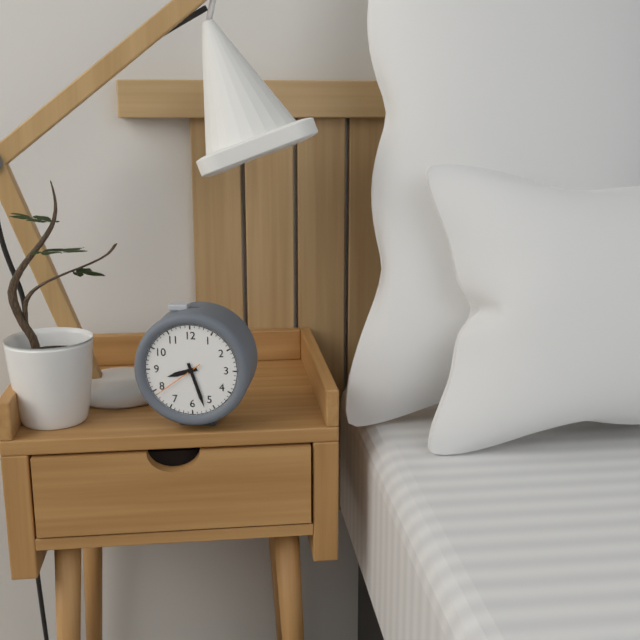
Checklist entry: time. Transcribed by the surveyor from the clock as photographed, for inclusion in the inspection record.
8:27:39
